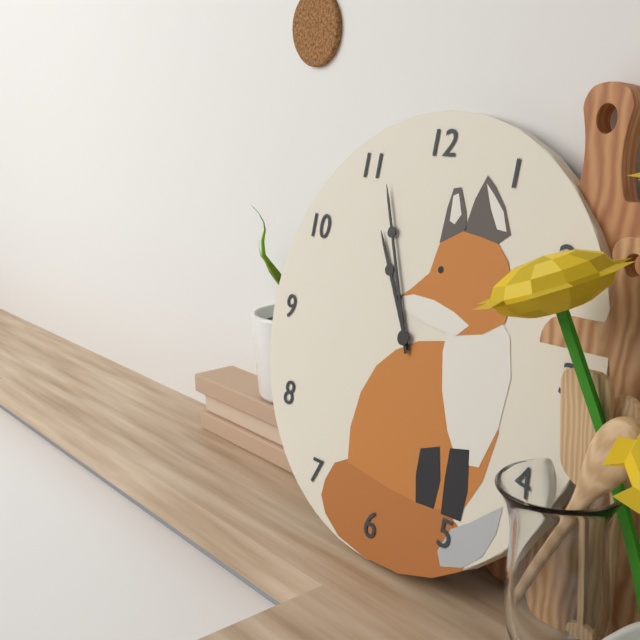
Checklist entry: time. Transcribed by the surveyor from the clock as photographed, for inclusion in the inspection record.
10:56
